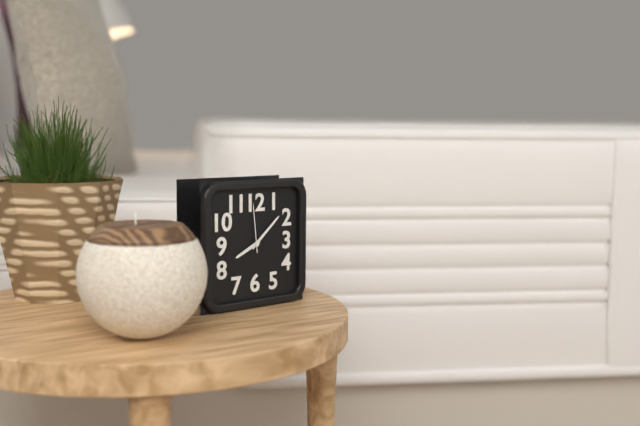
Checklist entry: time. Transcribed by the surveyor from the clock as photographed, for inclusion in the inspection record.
8:08:59
